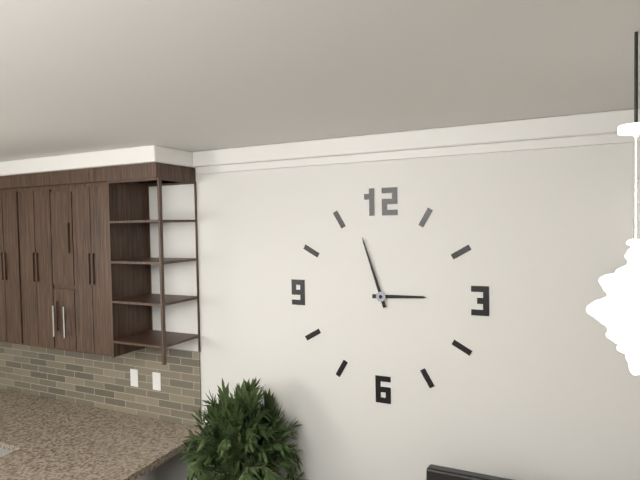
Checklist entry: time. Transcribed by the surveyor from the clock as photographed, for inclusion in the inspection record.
2:57
